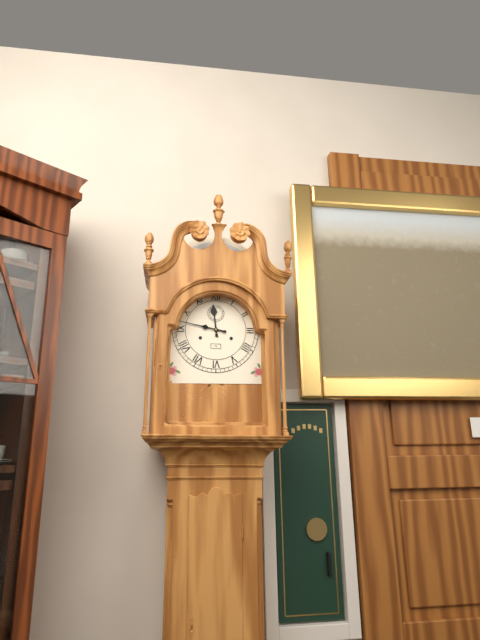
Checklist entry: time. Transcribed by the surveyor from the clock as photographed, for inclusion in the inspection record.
11:47
